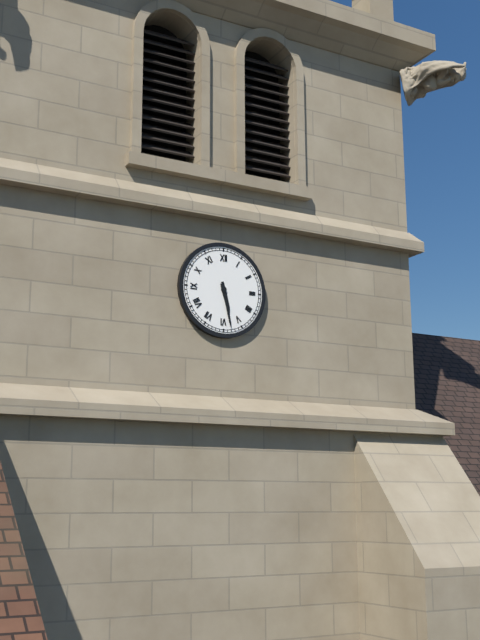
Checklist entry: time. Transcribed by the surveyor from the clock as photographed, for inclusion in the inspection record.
5:28
